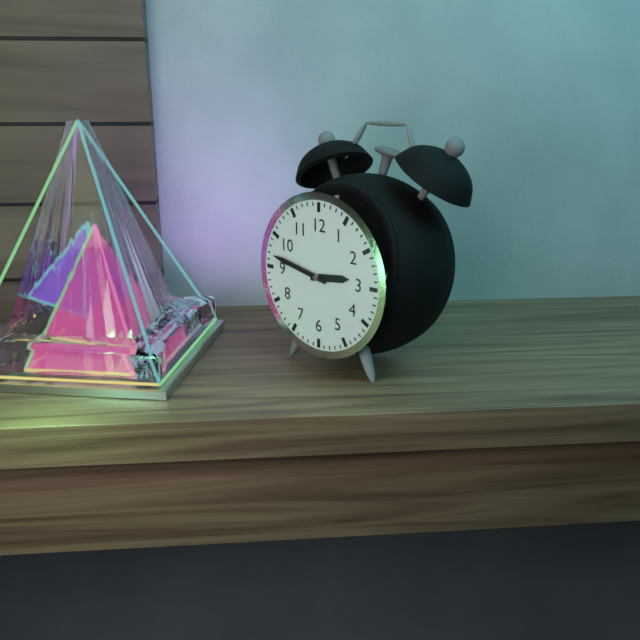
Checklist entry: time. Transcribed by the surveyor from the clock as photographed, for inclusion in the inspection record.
2:47
